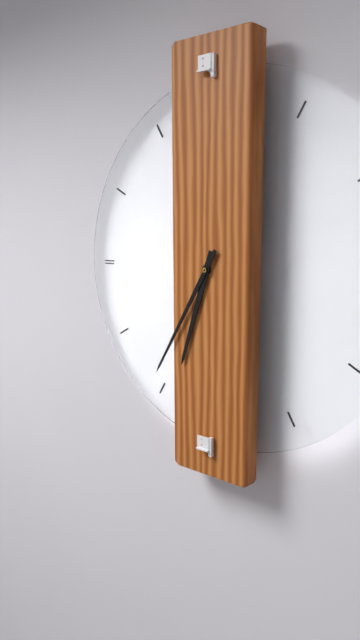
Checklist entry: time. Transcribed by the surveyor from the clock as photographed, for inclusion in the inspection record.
6:35
